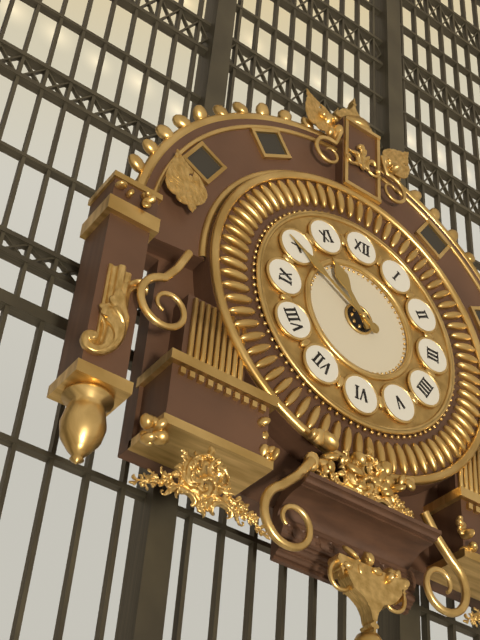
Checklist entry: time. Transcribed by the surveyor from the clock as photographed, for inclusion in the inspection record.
10:50
